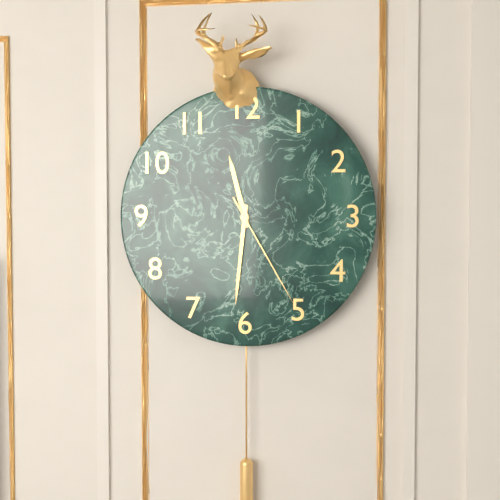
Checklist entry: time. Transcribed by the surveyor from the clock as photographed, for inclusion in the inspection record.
11:31:25
